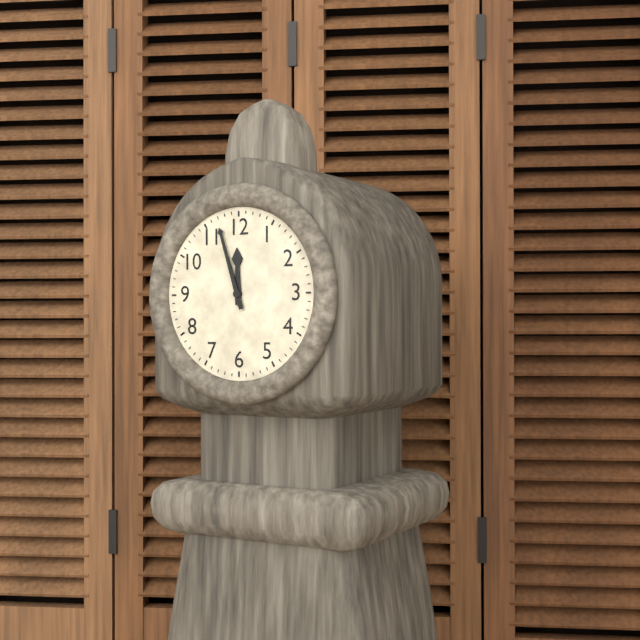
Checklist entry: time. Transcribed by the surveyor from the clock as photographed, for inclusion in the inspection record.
11:57
